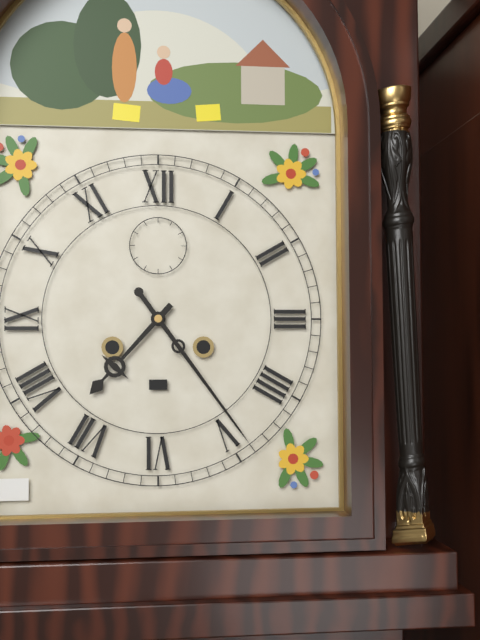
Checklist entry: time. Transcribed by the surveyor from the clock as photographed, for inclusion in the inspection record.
7:24
